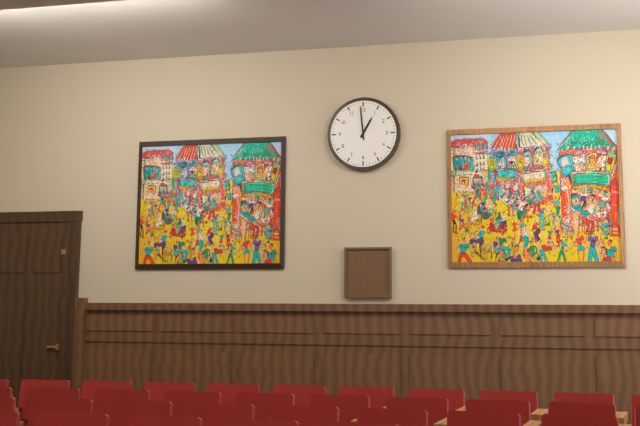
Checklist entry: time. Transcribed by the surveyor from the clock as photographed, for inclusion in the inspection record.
12:59
